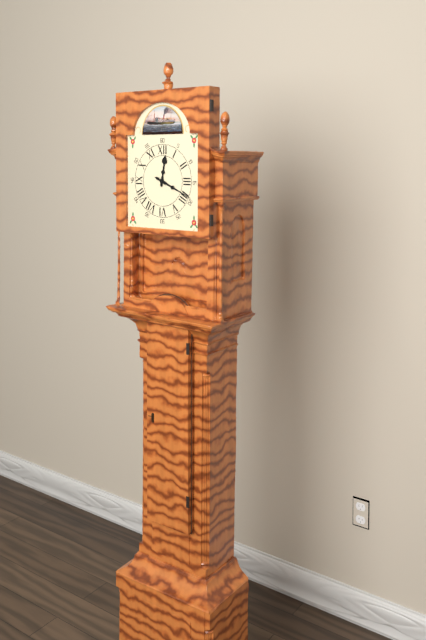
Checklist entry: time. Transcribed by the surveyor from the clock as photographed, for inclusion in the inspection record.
12:19
